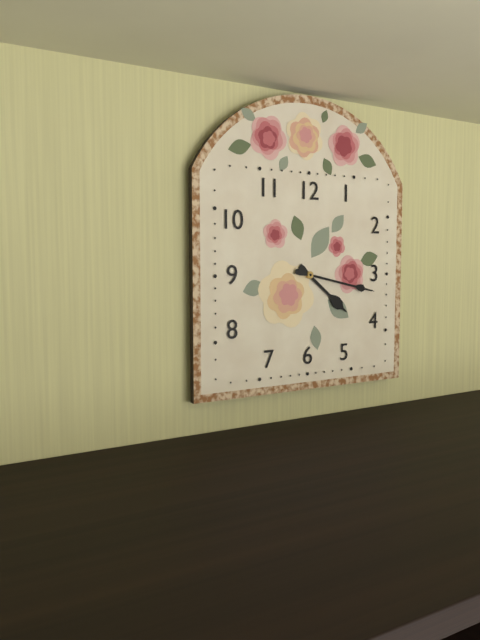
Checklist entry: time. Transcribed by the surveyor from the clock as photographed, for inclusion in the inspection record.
4:17
